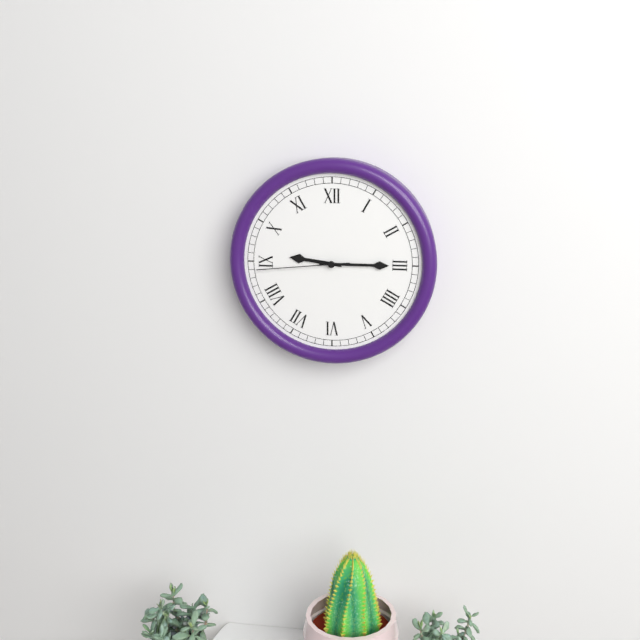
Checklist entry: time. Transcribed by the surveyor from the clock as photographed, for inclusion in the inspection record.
9:15:44
